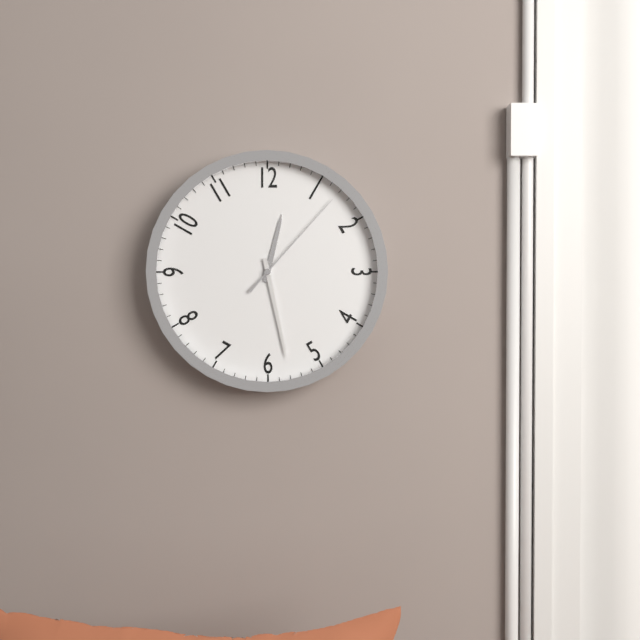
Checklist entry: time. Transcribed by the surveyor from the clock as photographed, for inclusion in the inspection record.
12:28:07
